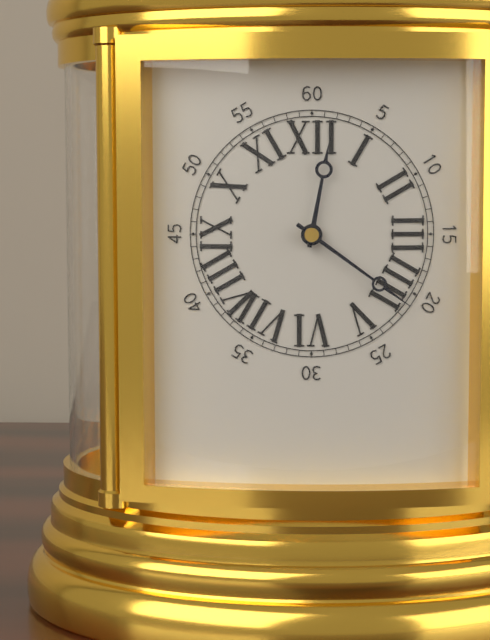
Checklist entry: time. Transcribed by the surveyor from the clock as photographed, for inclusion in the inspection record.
12:21
